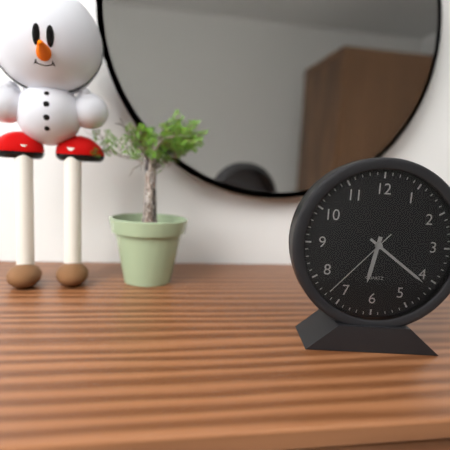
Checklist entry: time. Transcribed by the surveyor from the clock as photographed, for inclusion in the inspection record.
6:21:37
